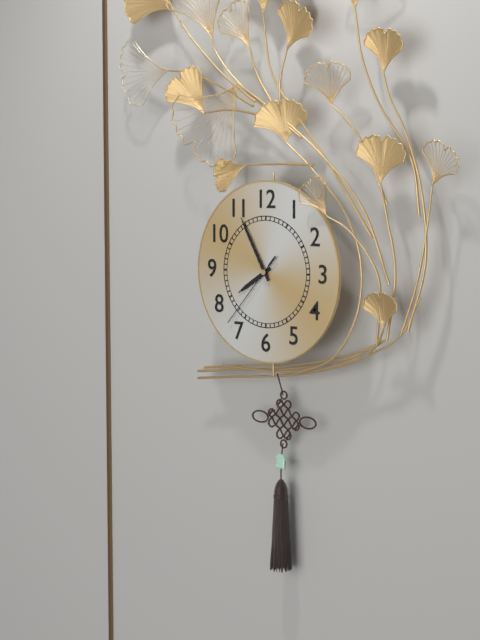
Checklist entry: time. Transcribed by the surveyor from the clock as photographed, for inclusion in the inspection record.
7:55:37
